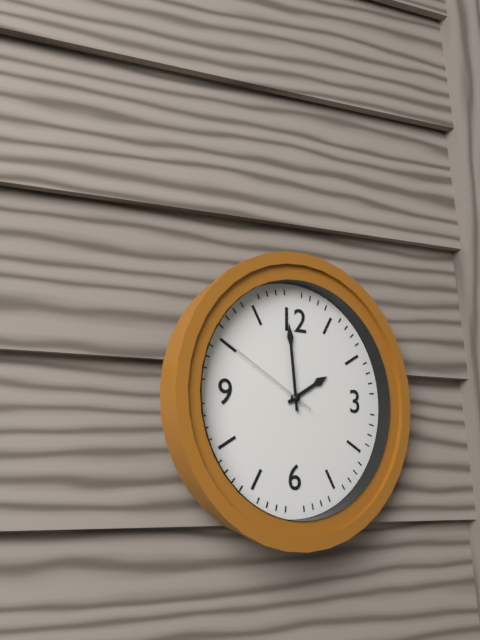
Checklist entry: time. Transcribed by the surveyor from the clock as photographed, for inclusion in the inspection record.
1:59:50
